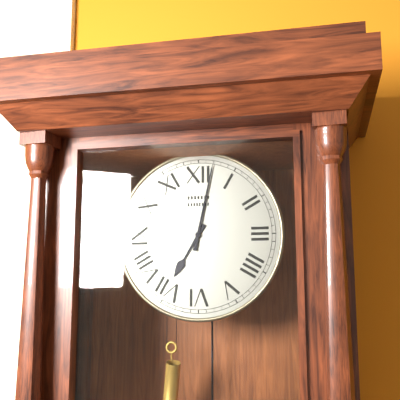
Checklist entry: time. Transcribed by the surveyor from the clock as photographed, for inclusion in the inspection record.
7:02
